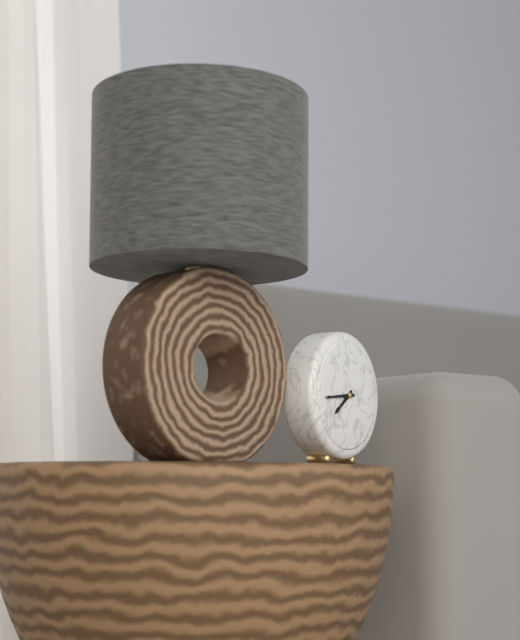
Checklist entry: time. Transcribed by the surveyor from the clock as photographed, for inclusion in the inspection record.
7:44
